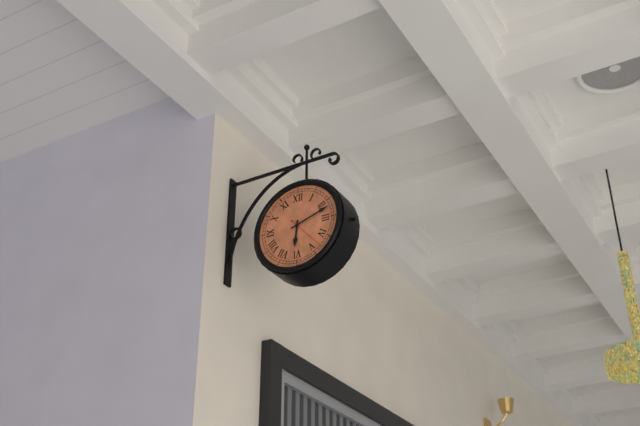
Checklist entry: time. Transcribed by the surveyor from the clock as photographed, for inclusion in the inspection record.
6:12
